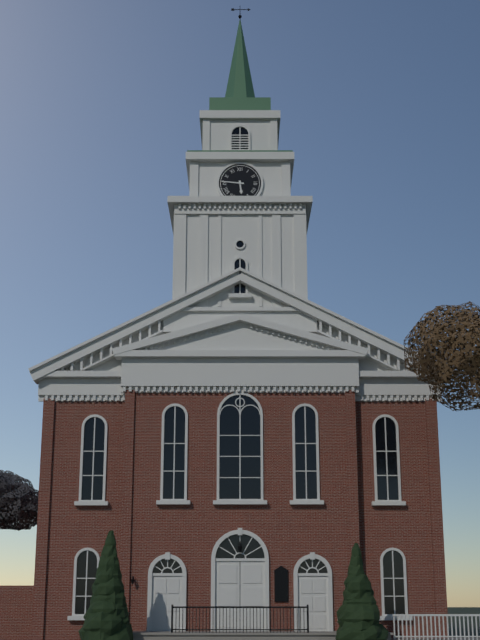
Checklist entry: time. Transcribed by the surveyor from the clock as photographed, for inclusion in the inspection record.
5:46
